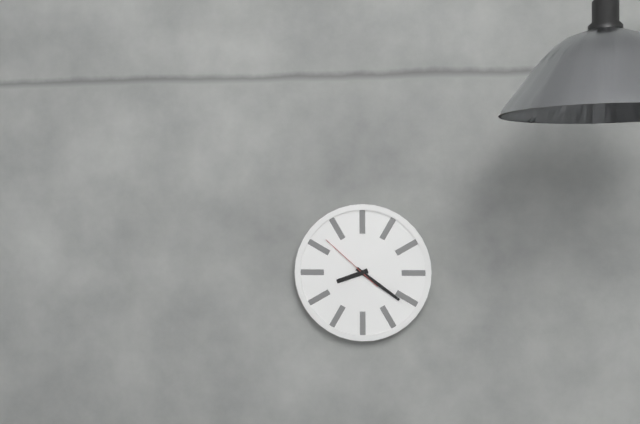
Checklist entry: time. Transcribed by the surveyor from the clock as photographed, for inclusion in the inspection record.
8:21:52
